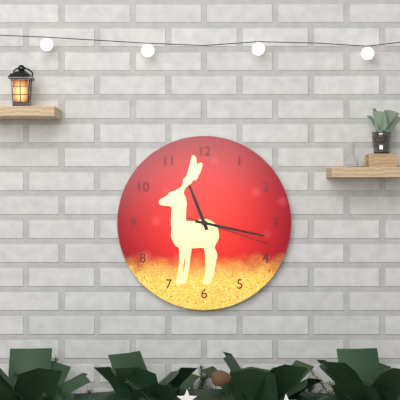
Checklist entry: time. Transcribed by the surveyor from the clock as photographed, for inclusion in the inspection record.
11:17:18
